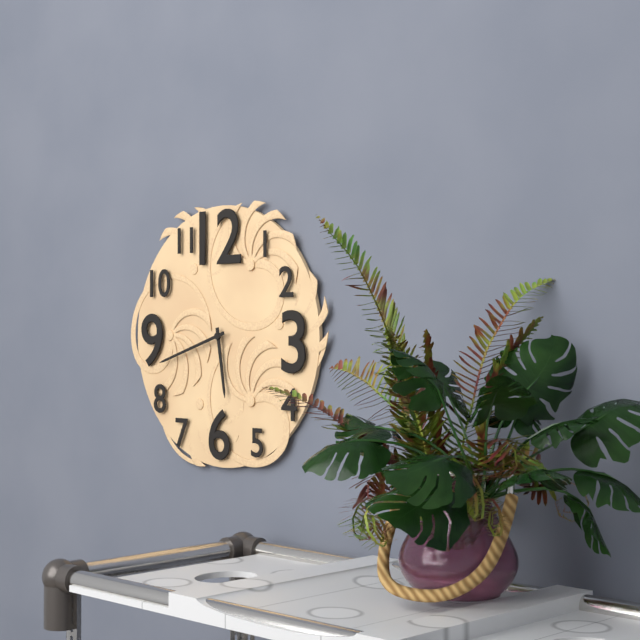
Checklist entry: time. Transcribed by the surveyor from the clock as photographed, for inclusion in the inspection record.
5:42
